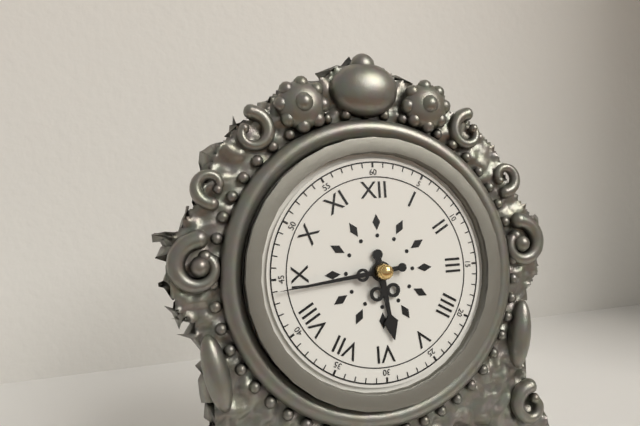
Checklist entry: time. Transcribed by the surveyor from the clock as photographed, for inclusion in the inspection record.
5:44
